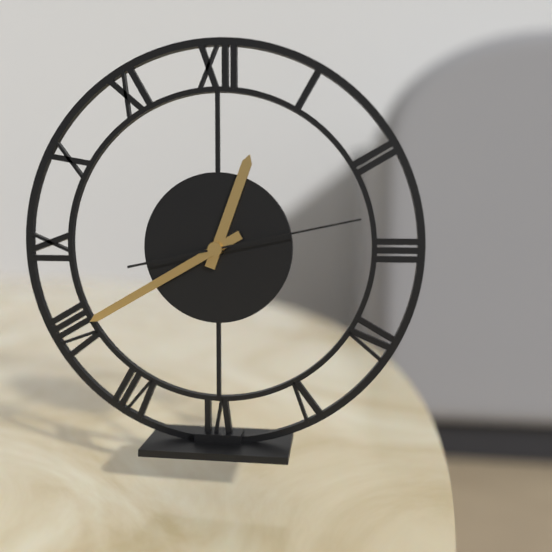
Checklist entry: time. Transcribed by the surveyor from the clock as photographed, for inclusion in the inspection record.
12:40:13
